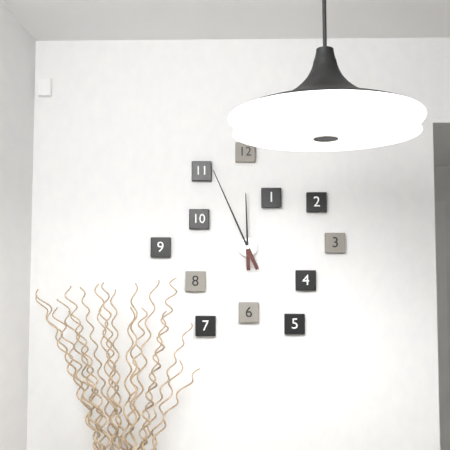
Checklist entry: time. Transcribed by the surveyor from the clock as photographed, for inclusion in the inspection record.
11:56
